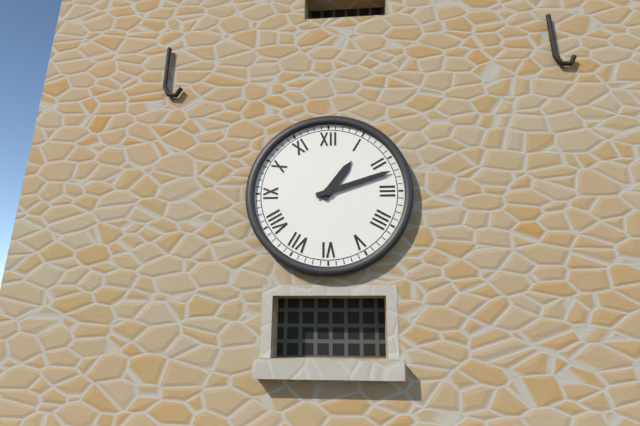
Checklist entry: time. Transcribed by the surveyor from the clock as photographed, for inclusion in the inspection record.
1:12
